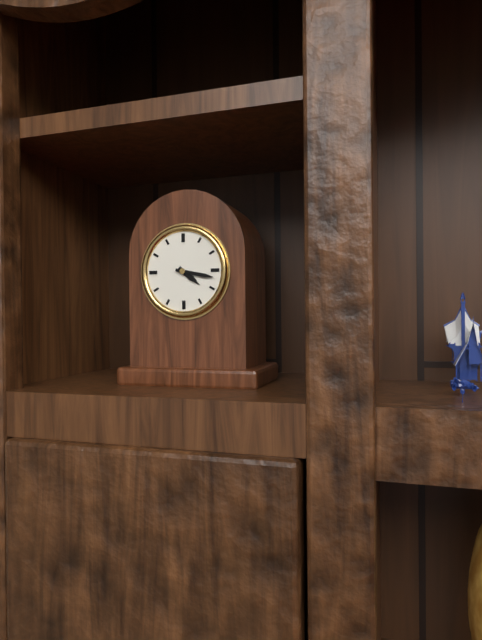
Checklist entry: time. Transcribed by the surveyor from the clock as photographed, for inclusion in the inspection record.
4:17
